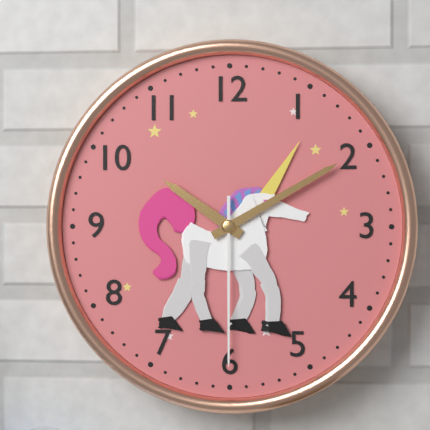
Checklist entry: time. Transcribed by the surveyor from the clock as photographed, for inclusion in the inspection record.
10:10:30
